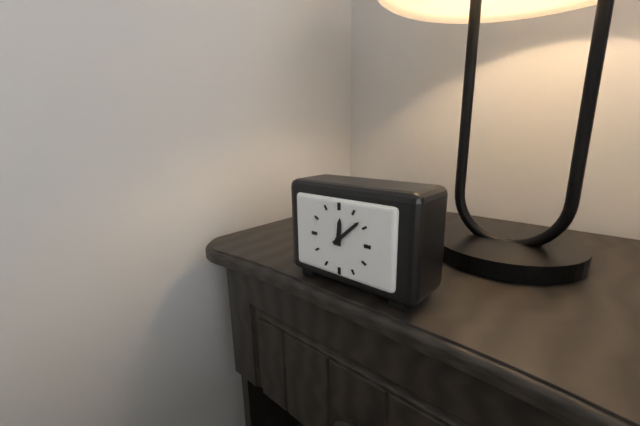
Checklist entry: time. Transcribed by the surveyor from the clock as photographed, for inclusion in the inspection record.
12:08
